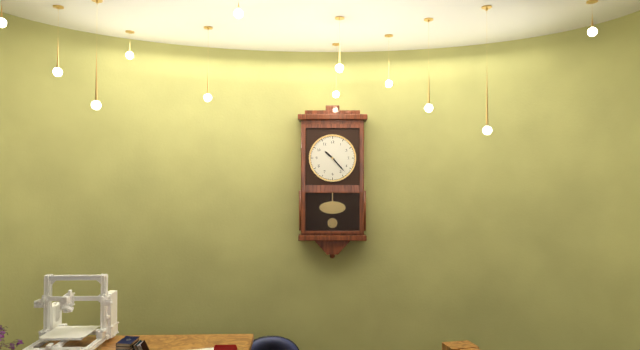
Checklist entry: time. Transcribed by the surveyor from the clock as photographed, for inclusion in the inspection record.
10:23
